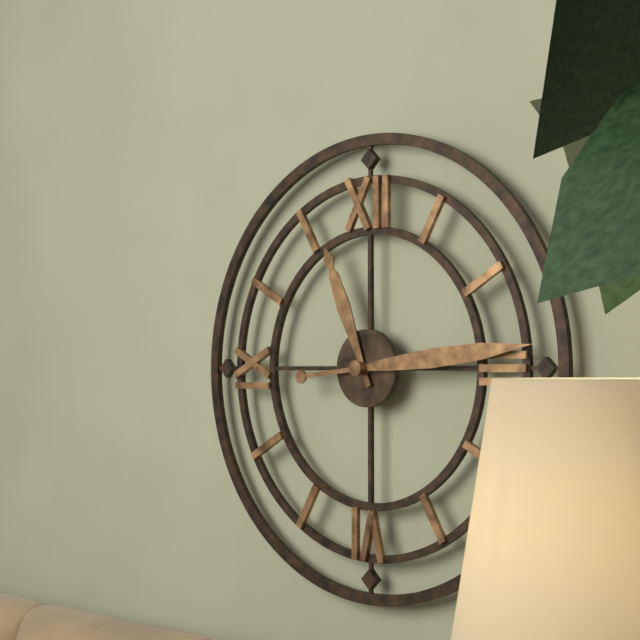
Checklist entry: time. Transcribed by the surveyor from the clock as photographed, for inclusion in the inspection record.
11:14
